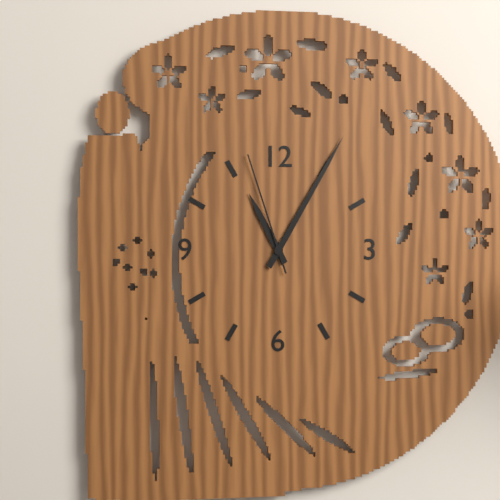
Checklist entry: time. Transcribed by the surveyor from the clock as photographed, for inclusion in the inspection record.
11:05:57
